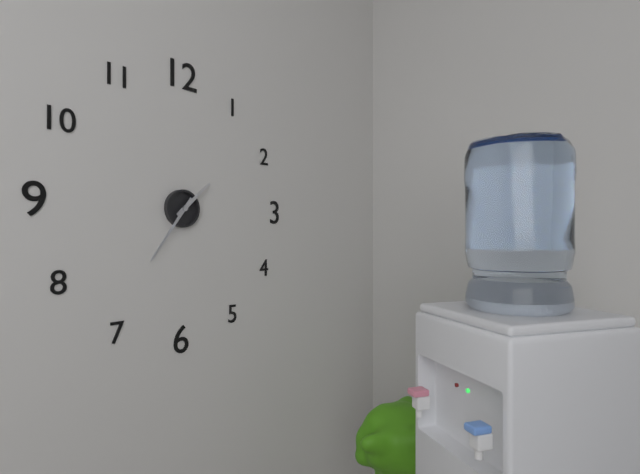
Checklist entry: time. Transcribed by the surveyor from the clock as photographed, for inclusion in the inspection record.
1:36
